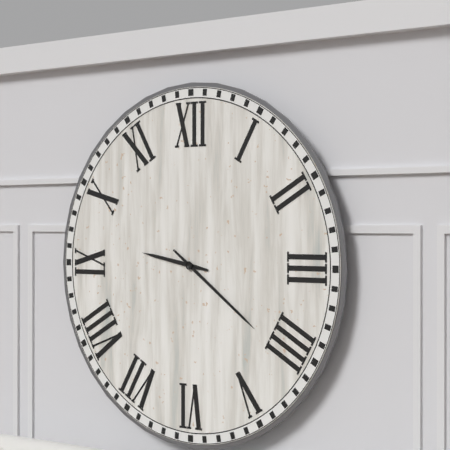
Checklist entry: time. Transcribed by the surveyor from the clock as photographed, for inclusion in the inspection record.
9:21
